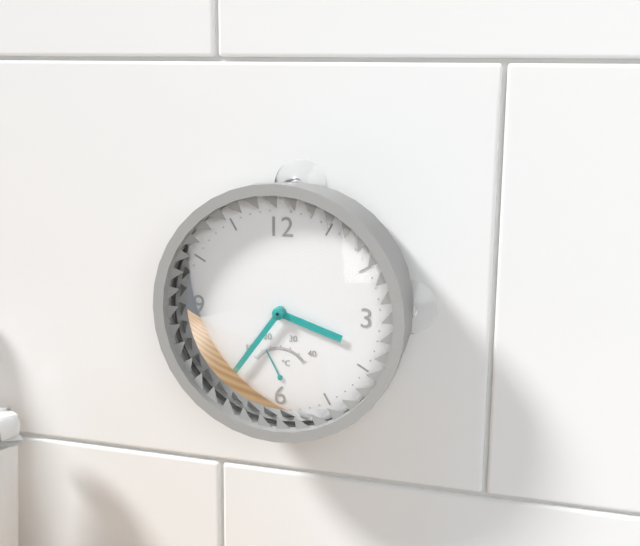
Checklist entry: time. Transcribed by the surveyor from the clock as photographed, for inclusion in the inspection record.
3:36
